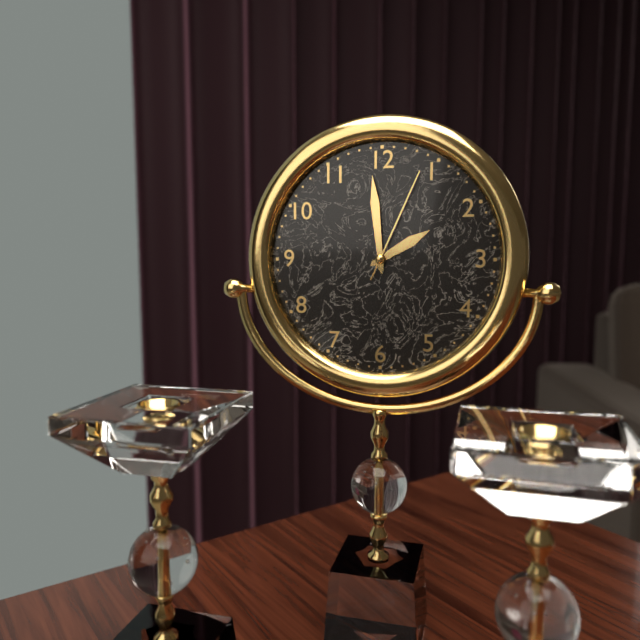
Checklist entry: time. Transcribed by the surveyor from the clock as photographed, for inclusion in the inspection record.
1:59:04
